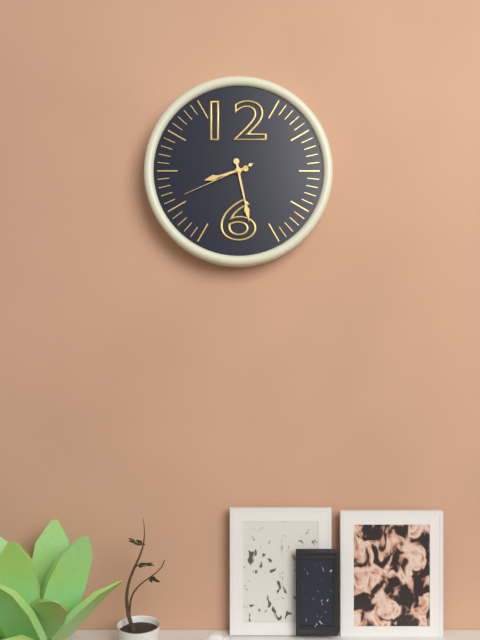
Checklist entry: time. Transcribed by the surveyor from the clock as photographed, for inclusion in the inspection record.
8:28:41
